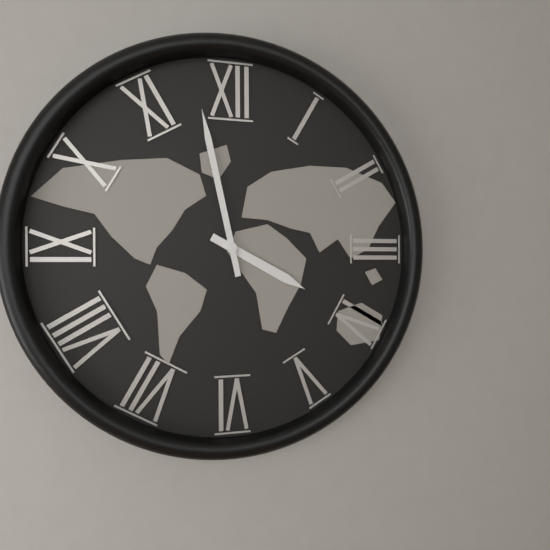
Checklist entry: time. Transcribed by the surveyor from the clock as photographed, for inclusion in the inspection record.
3:58
